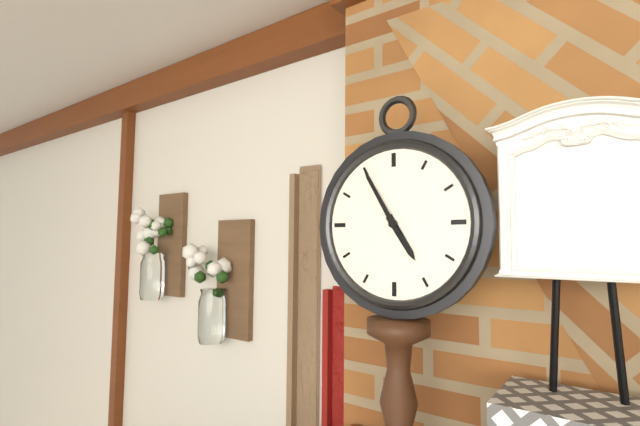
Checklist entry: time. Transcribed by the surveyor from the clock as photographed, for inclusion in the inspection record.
4:55
